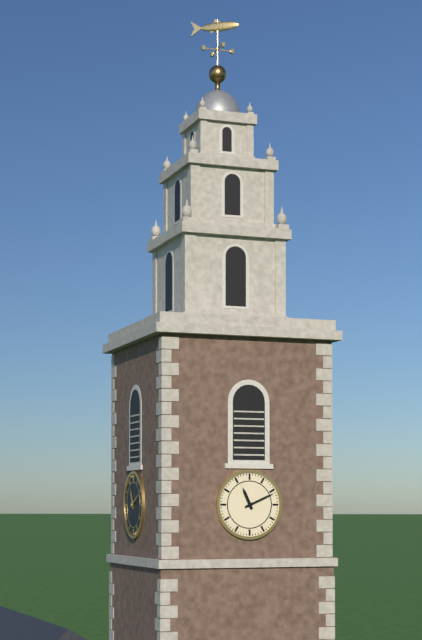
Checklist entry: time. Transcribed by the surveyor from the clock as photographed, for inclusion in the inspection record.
11:11
